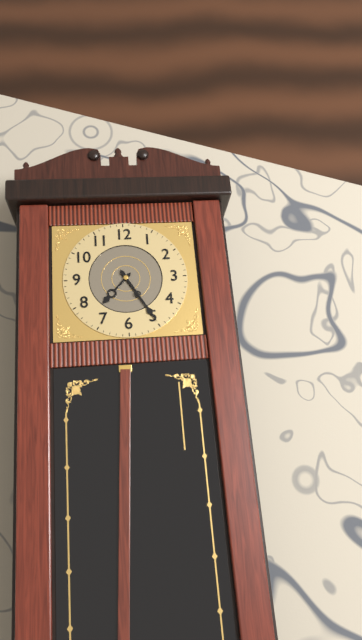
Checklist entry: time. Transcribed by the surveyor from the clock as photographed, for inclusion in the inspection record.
7:25
